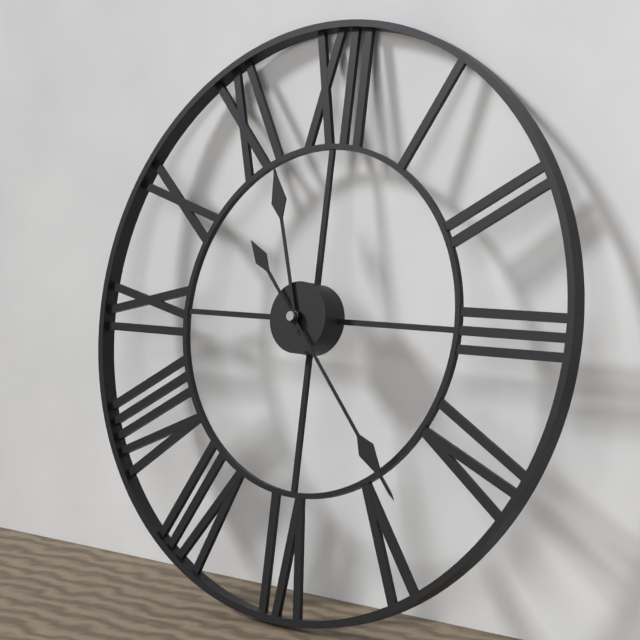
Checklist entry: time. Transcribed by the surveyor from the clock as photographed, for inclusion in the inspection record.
11:23
